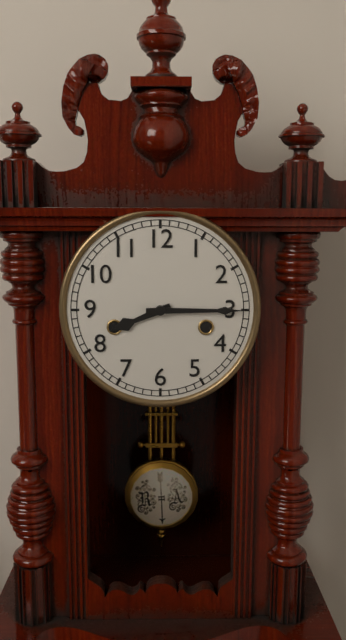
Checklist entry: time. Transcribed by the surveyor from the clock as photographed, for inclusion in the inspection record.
8:15
